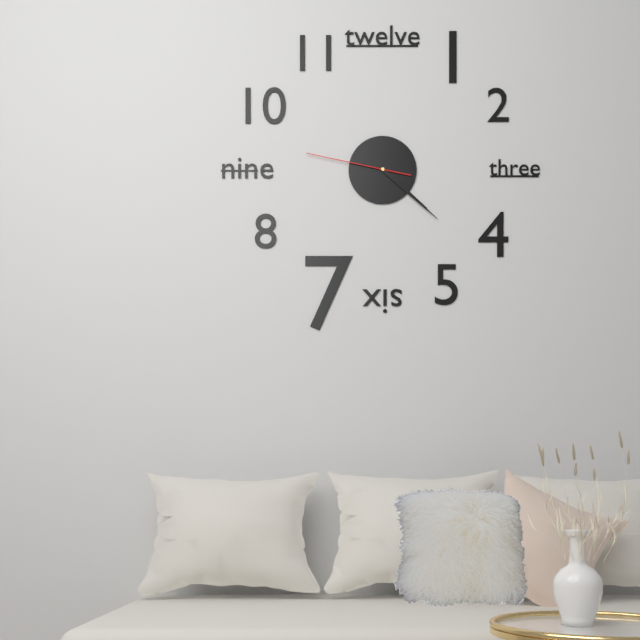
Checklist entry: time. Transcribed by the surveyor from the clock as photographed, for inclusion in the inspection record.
4:22:47
